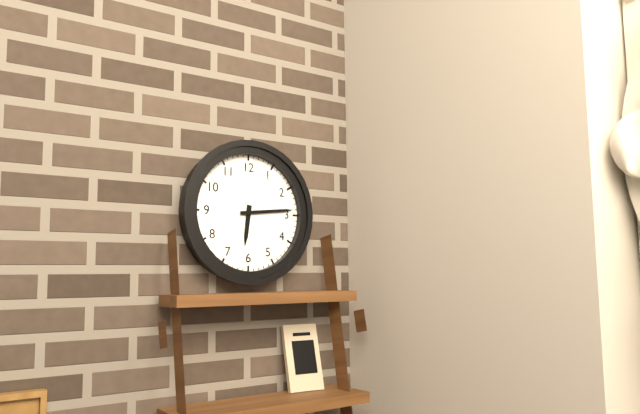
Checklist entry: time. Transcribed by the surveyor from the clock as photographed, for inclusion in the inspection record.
6:14
